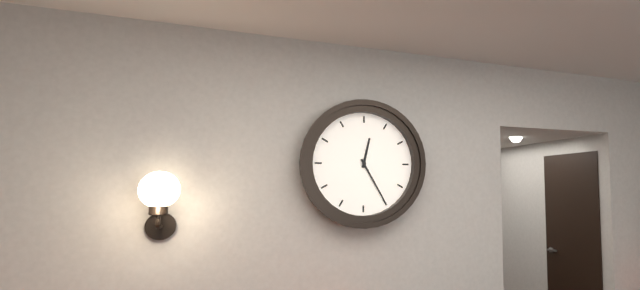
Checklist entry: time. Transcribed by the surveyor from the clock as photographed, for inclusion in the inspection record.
12:25
